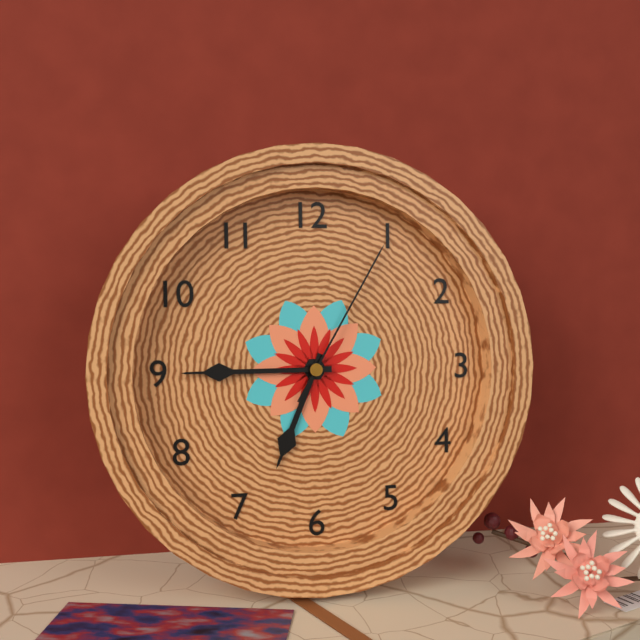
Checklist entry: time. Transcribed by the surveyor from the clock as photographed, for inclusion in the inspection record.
6:45:05
